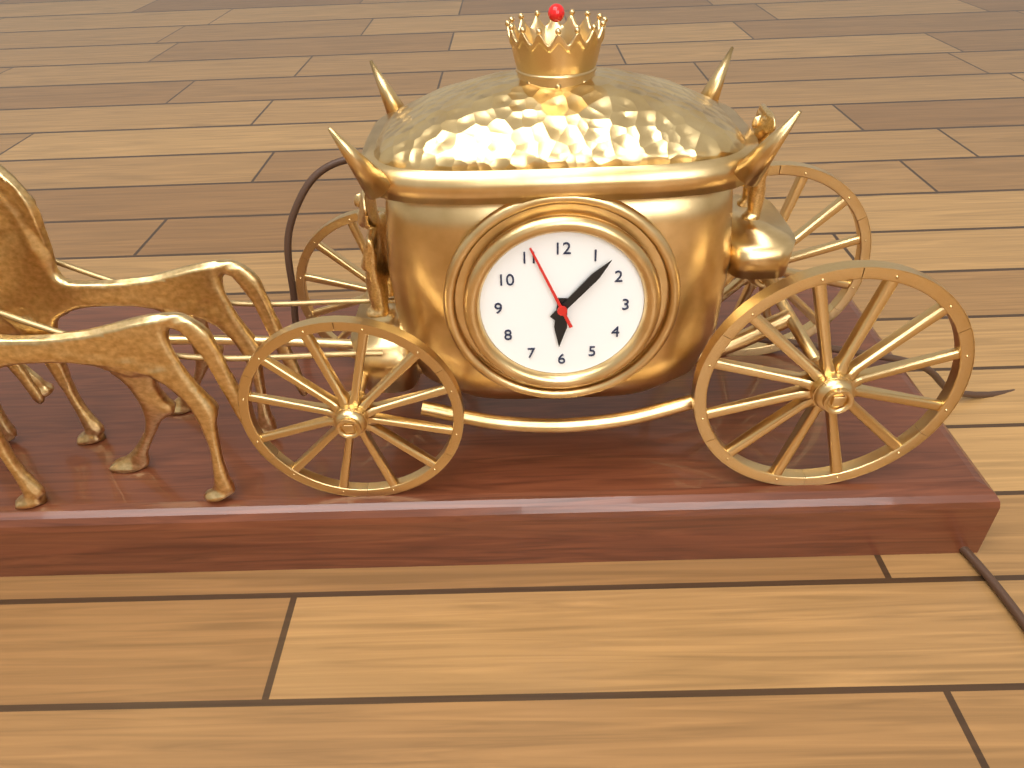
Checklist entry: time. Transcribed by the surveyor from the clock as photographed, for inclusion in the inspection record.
6:07:56
